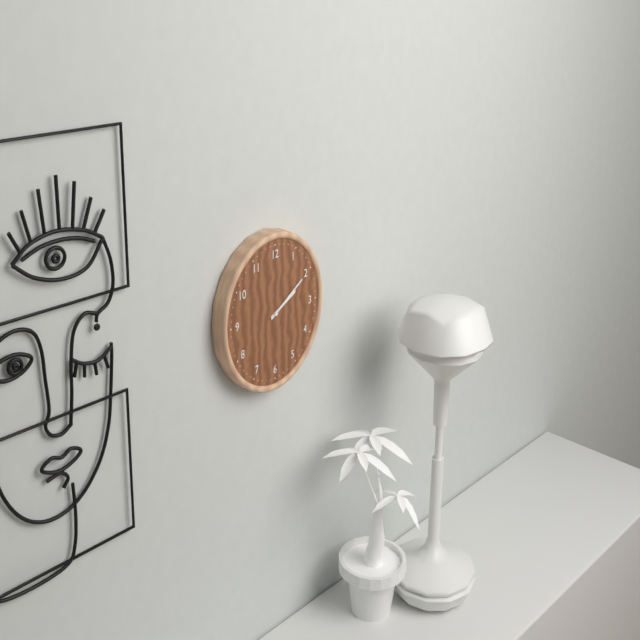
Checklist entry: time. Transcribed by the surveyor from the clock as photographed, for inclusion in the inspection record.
2:10
